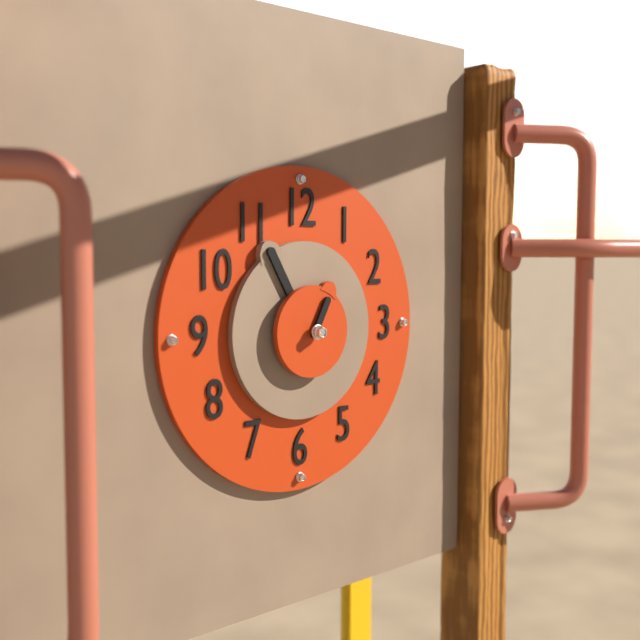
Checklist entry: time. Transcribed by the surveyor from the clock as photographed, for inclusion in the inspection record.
12:55
